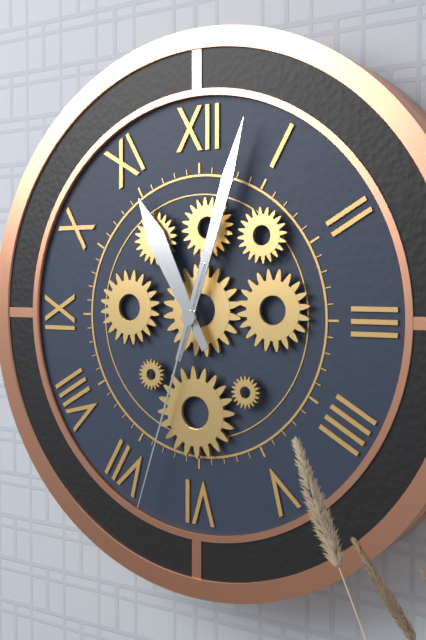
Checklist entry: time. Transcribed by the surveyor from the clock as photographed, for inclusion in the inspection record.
11:03:33
